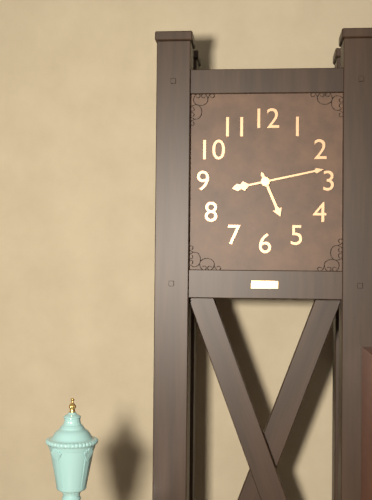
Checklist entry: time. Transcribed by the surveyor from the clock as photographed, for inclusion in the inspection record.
5:13
